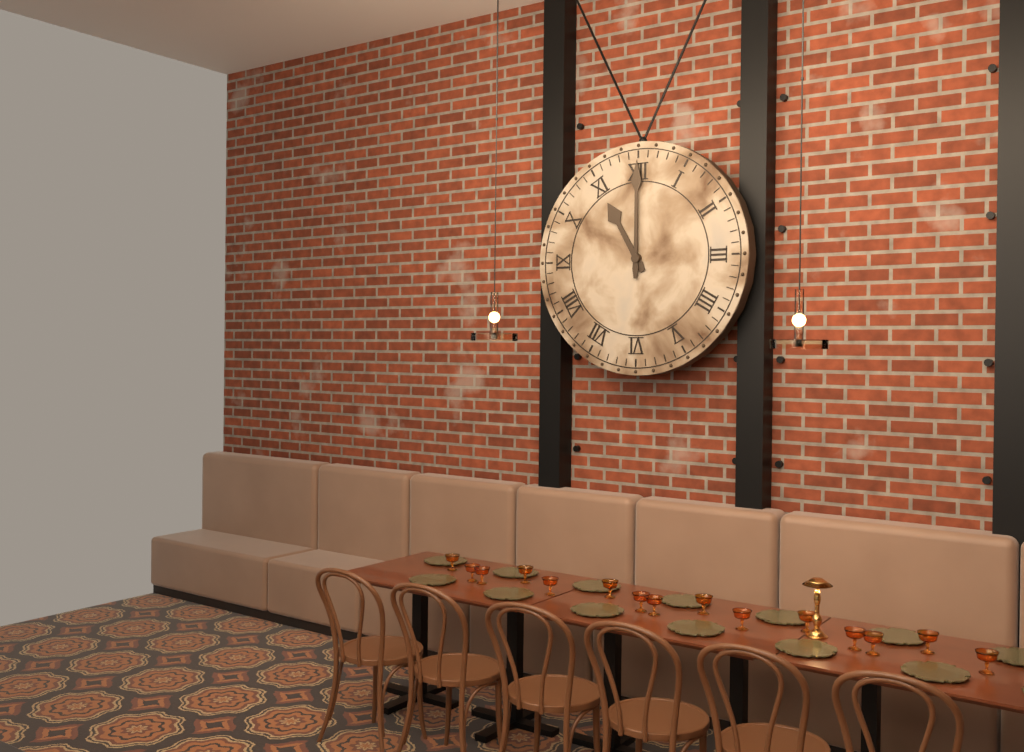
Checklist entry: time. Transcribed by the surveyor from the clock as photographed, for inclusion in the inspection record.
11:00
